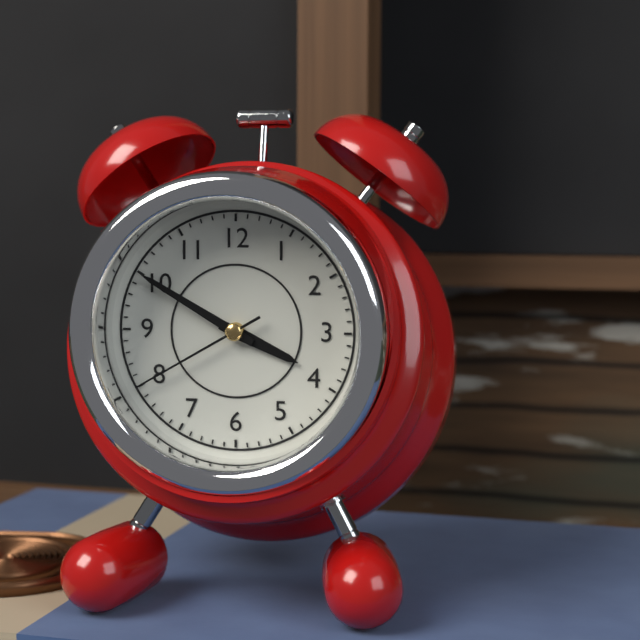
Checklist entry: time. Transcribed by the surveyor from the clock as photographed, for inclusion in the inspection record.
3:50:40
